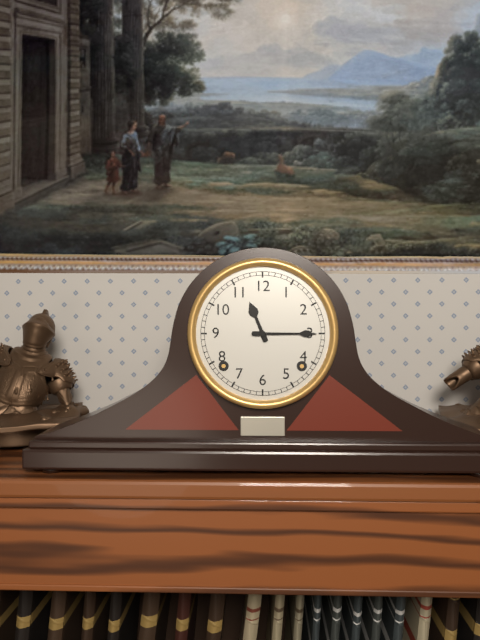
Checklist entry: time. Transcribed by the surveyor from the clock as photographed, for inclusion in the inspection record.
11:15
